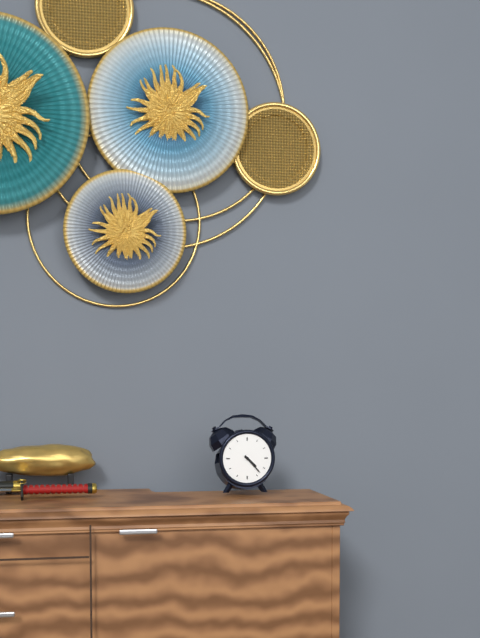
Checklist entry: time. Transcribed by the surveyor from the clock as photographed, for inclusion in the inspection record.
4:23
